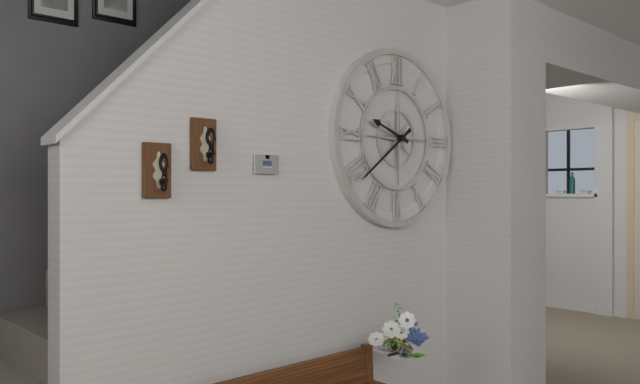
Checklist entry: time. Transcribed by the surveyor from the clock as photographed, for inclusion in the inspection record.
9:39
